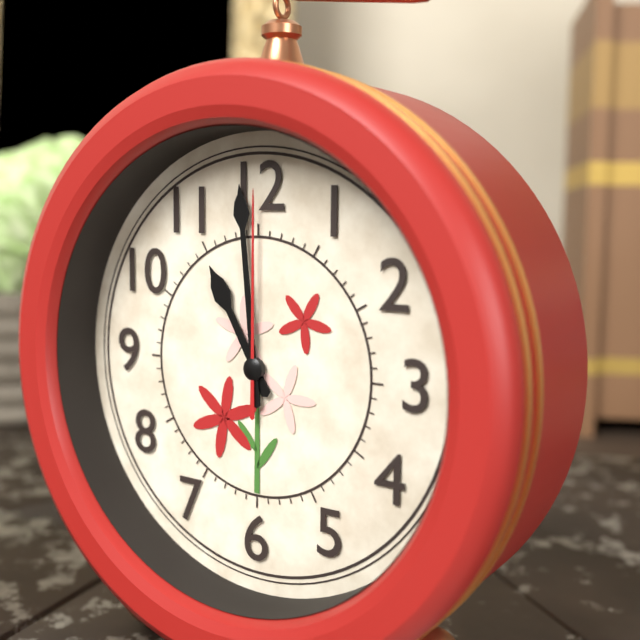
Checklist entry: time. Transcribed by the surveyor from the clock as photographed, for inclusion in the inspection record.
10:59:00
